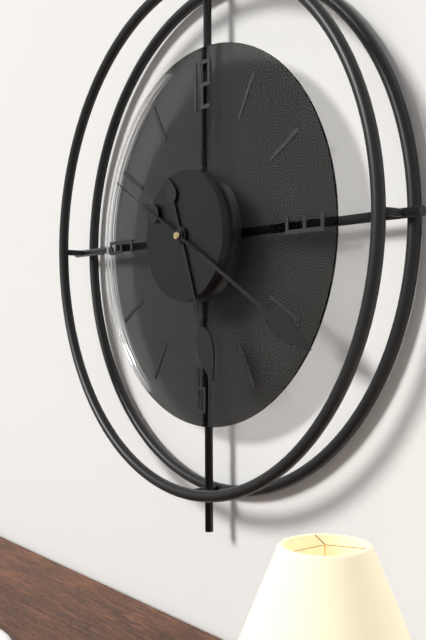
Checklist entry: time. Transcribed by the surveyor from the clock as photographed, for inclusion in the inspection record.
5:20:50
